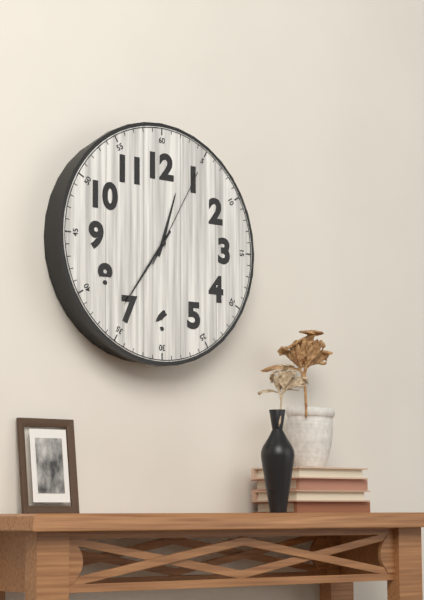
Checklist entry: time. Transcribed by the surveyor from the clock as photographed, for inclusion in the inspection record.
12:36:05
